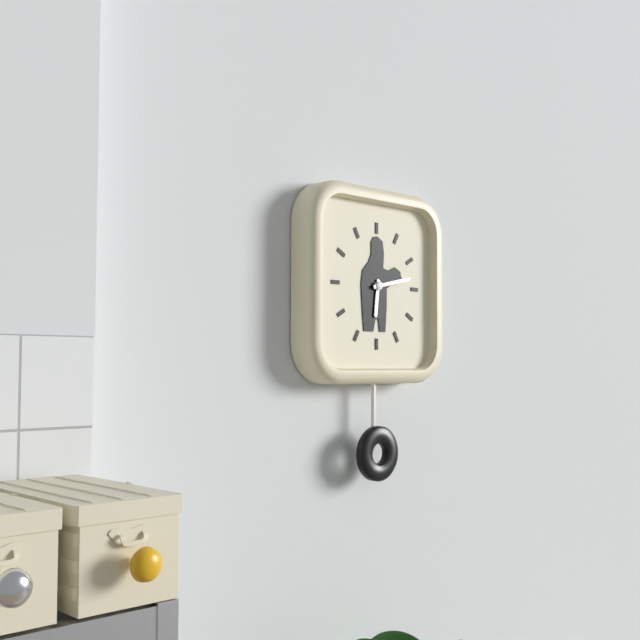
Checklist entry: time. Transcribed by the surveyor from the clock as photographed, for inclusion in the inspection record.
6:13
